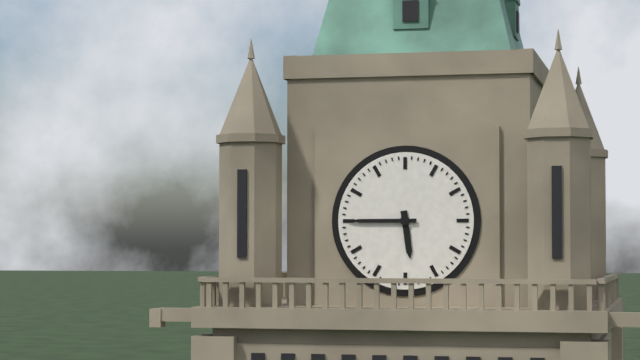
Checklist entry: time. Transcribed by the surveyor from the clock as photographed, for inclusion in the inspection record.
5:45
